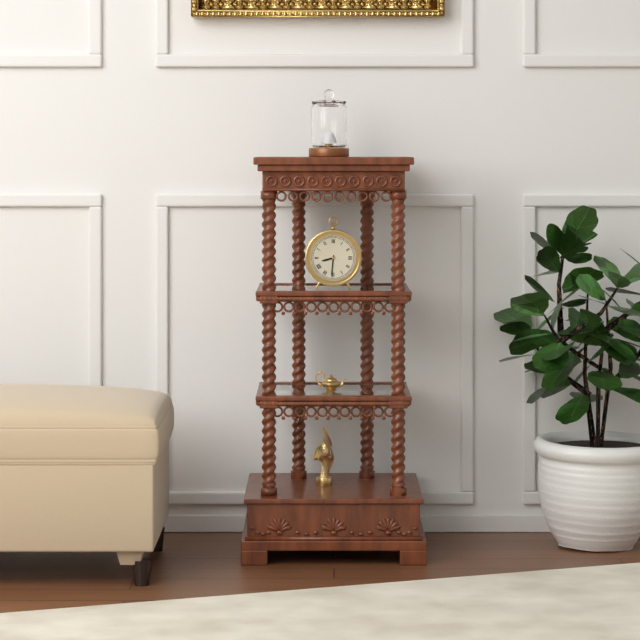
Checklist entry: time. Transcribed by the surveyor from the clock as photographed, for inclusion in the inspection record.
8:31
